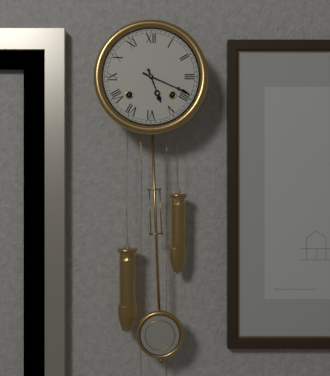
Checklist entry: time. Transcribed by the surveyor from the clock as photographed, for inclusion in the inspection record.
5:19
